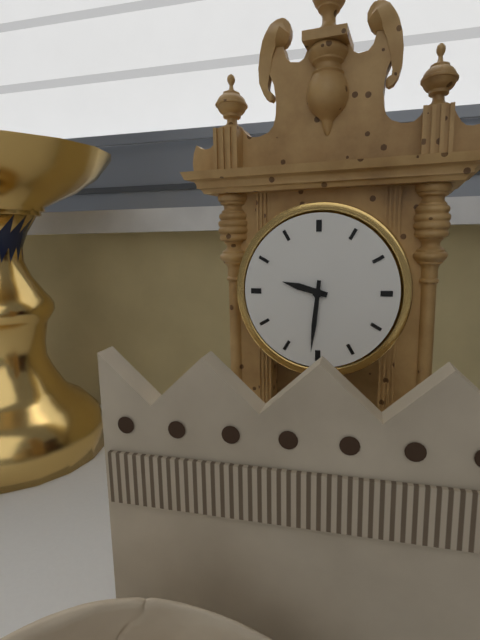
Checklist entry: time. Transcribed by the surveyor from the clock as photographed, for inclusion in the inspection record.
9:31
